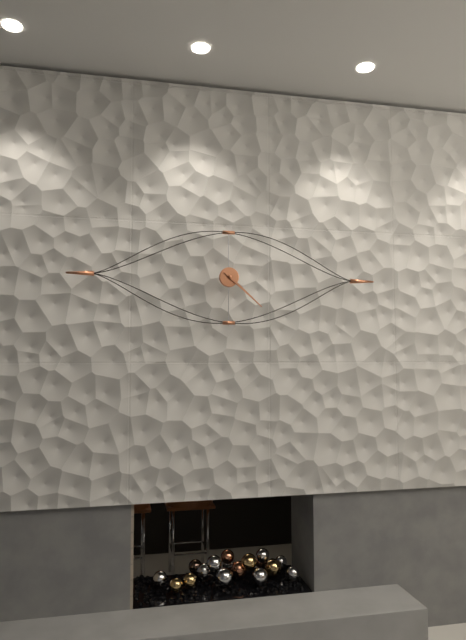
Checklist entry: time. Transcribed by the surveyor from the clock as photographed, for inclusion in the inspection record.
4:22
